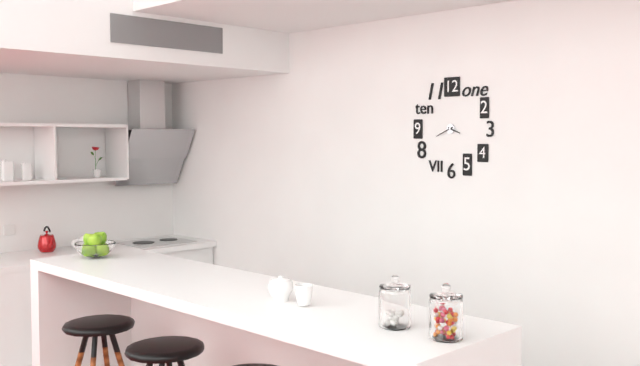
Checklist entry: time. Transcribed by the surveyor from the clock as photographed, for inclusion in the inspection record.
3:41
